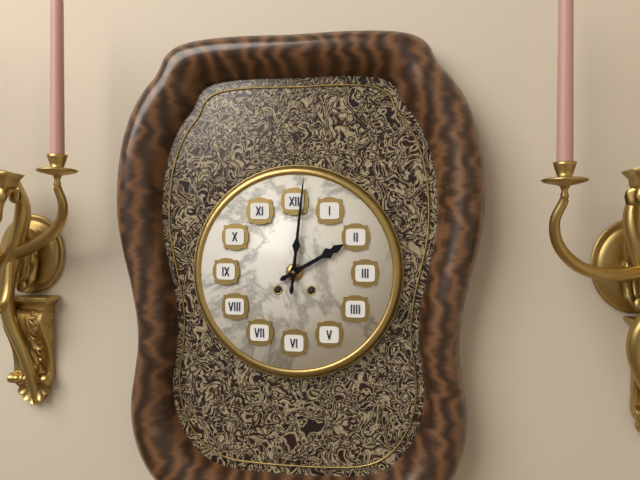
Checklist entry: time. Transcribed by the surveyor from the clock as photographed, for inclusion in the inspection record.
2:01
